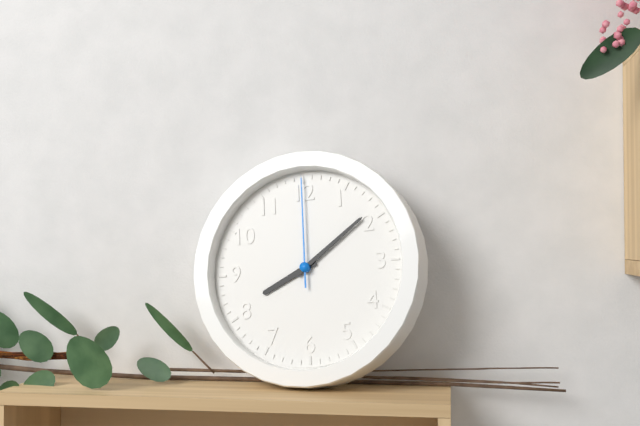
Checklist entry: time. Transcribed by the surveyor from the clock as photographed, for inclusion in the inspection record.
8:09:00
